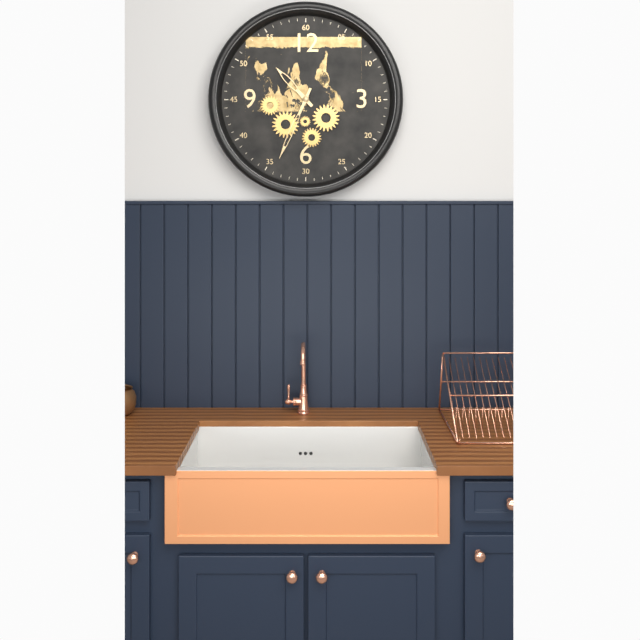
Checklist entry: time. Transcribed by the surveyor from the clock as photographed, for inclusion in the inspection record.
10:34
